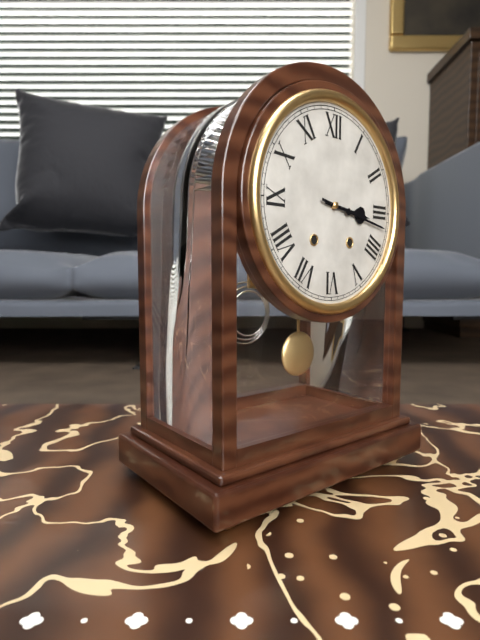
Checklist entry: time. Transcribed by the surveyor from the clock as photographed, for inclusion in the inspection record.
3:17
